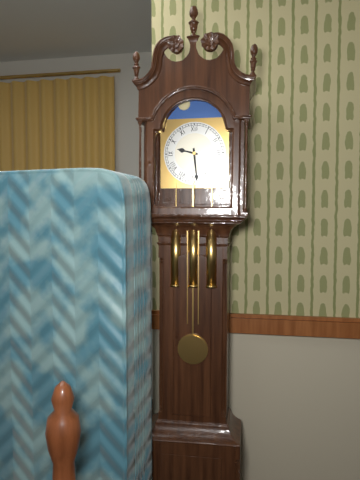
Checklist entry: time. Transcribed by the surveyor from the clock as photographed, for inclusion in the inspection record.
9:29
